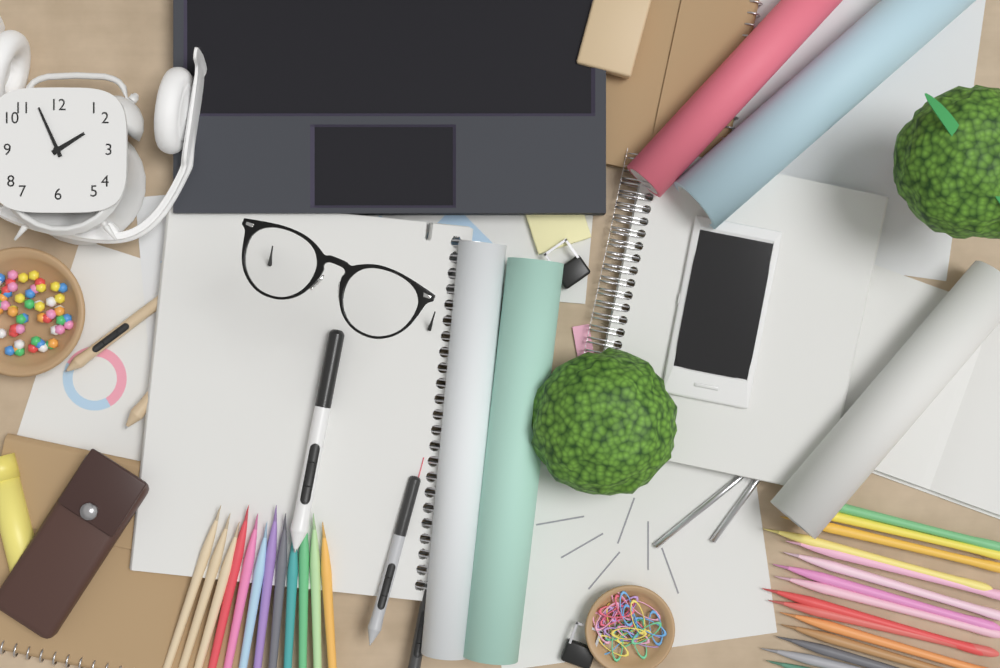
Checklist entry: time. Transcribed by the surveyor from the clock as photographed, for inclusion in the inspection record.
1:56
